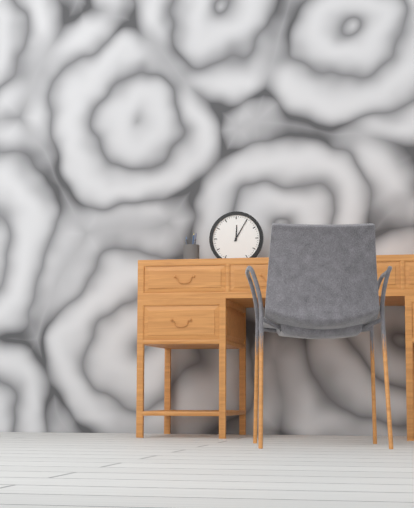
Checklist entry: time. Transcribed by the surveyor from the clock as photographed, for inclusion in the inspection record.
12:05
